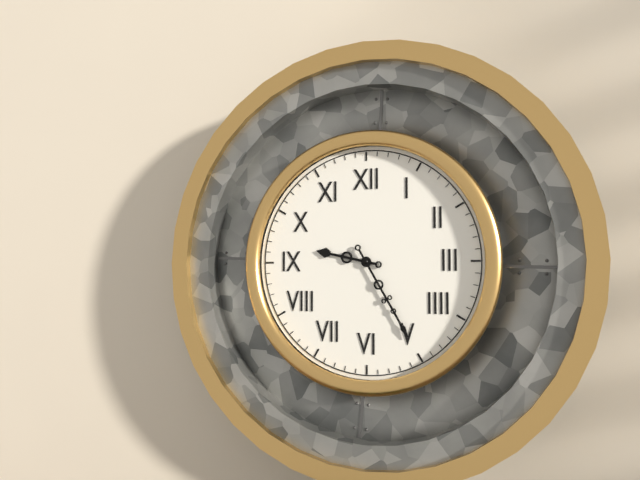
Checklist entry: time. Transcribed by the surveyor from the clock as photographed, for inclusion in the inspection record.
9:25
